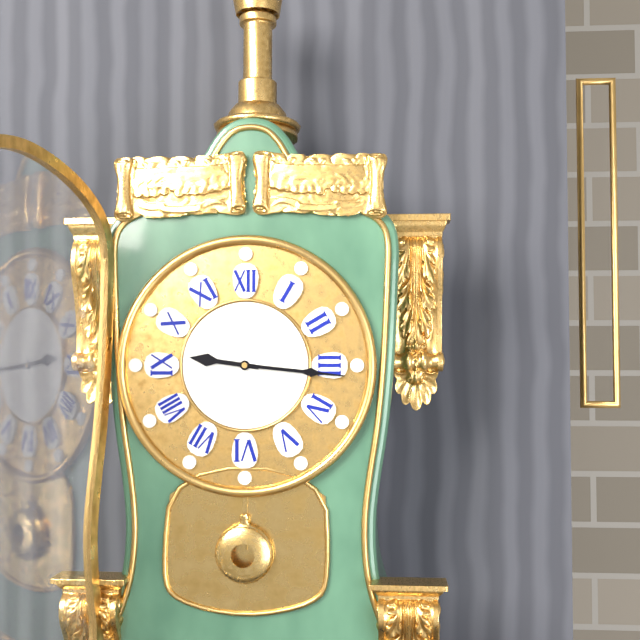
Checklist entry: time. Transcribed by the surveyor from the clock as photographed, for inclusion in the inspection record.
9:16
